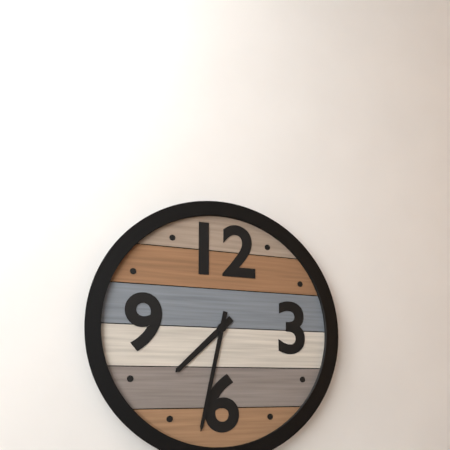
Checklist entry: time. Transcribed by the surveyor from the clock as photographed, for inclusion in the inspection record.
7:32
